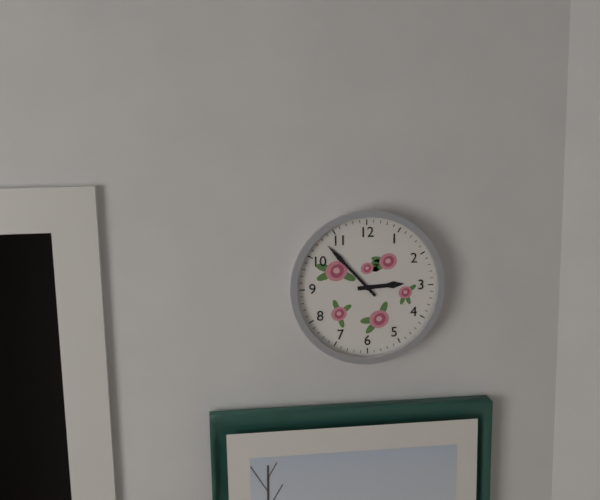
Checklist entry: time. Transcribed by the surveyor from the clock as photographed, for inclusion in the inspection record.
2:53
